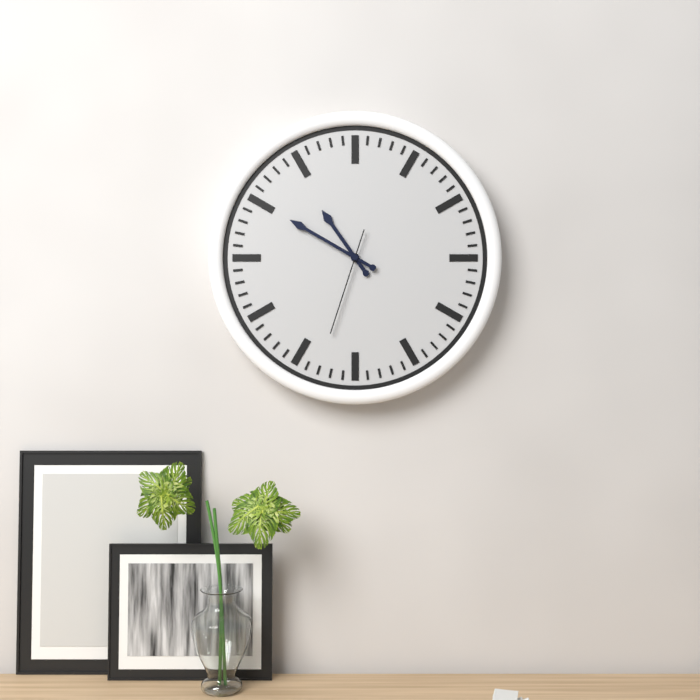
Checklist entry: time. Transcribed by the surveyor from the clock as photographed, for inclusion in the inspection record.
10:50:33
